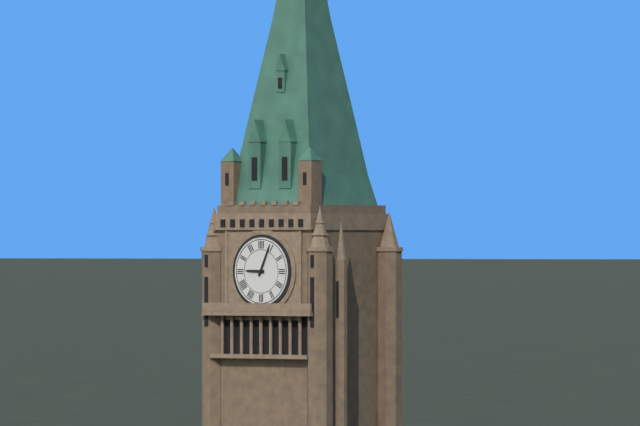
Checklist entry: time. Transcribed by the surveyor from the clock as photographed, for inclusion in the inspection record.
9:04
